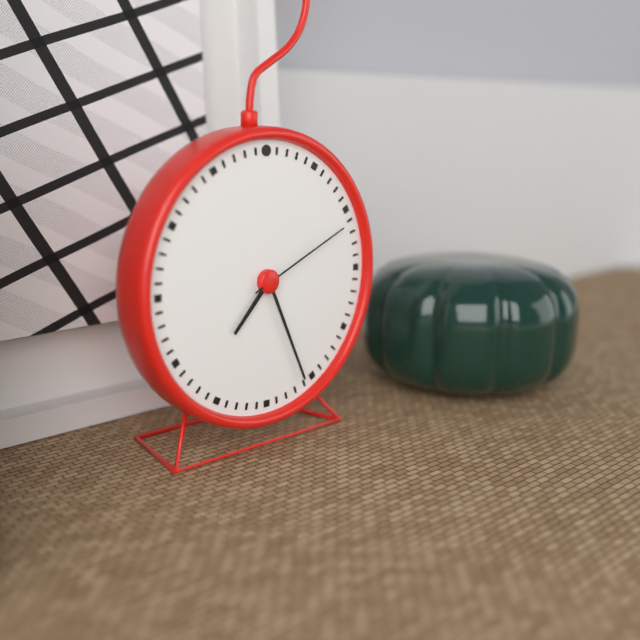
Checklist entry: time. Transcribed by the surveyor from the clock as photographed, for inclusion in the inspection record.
7:26:11
